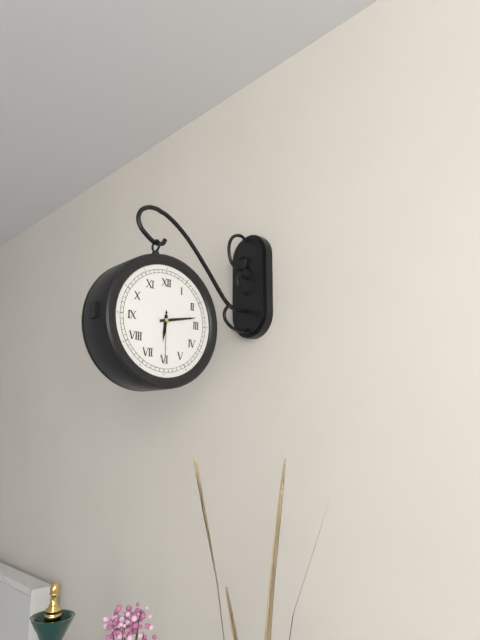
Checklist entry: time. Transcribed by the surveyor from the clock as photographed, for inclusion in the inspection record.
6:13:30
